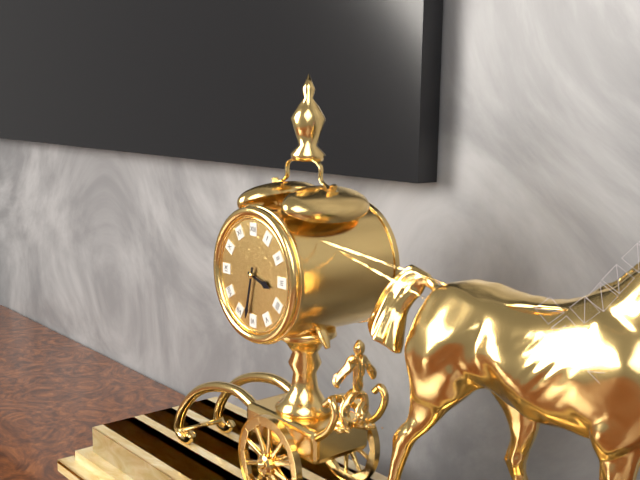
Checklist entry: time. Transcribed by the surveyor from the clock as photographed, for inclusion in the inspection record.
3:32
